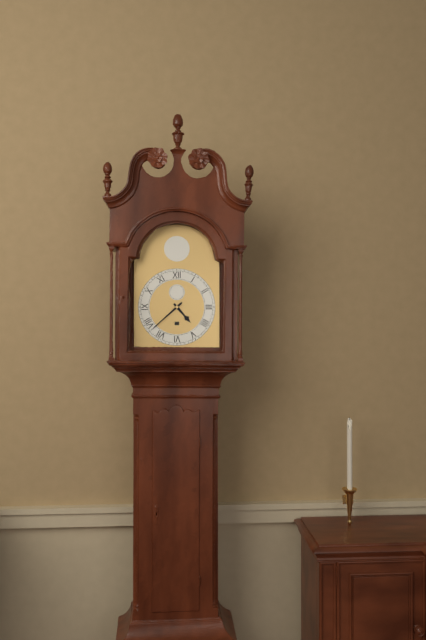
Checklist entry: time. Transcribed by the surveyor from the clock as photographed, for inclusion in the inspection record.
4:38
